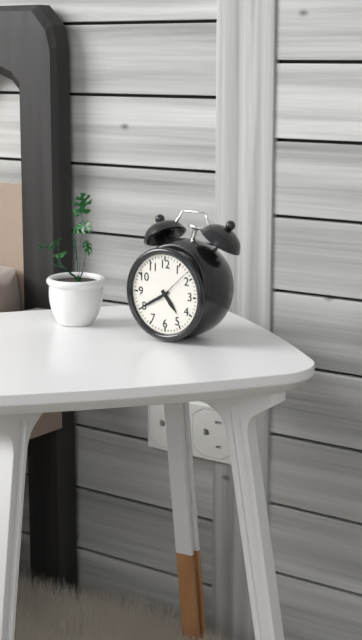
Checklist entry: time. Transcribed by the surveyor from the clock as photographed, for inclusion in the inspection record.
4:40
